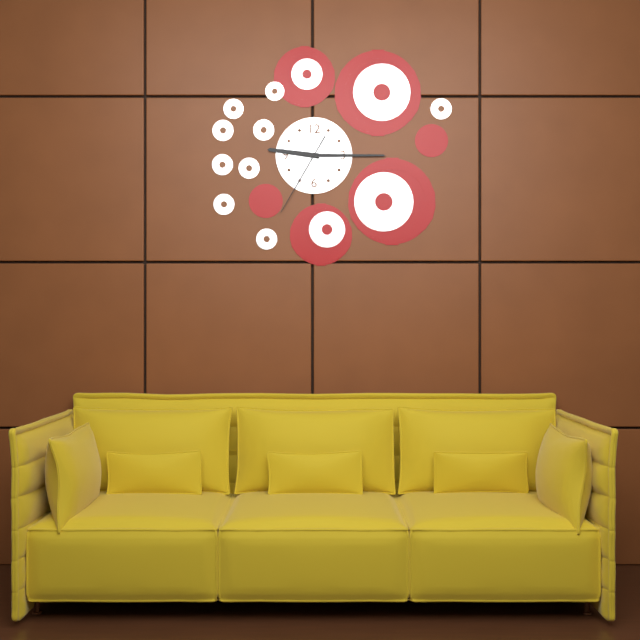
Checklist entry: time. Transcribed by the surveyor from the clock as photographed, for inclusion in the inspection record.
9:15:35
